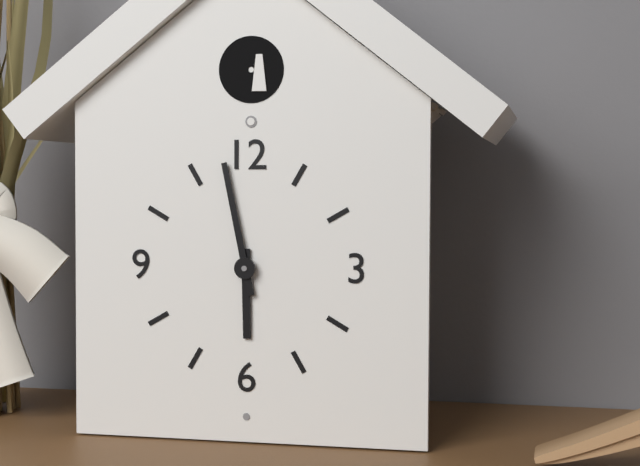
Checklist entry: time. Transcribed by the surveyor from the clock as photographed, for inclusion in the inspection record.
5:58
